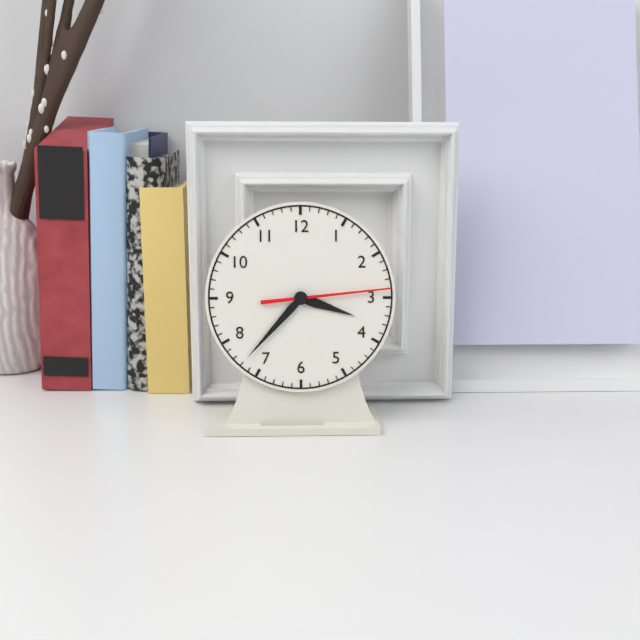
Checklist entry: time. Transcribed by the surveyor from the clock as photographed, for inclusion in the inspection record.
3:37:14
